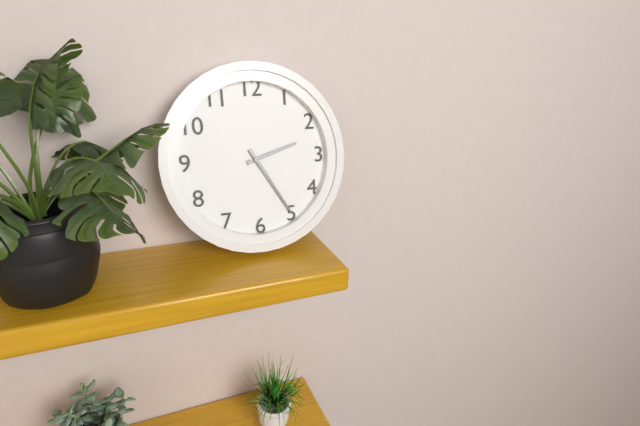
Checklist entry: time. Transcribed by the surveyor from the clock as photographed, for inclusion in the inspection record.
2:25
